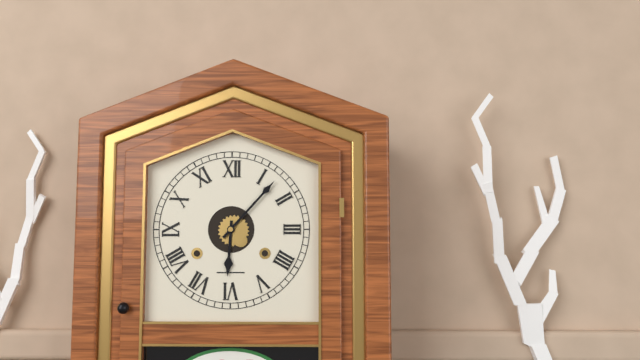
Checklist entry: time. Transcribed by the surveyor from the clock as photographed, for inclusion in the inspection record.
6:07
